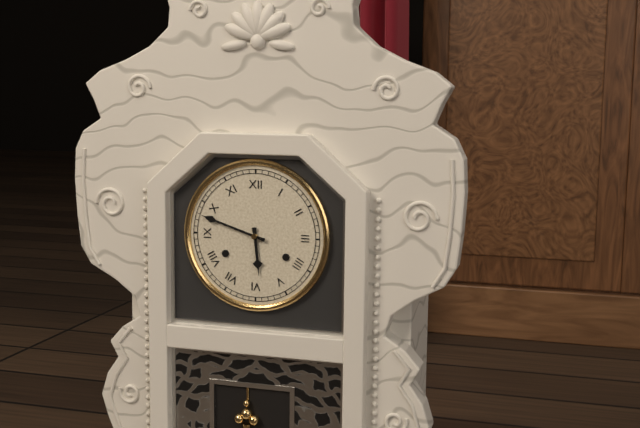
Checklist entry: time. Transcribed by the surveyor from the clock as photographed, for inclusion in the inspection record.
5:48
